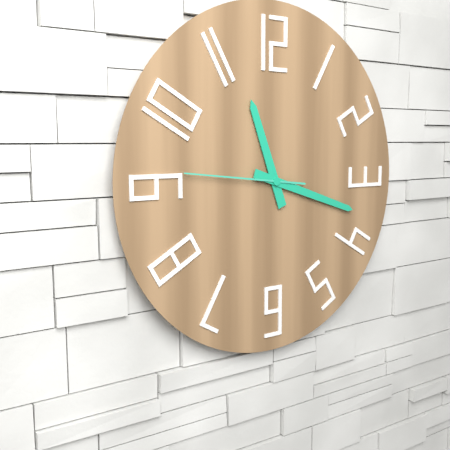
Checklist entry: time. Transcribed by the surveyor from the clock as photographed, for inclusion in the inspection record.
11:18:46
